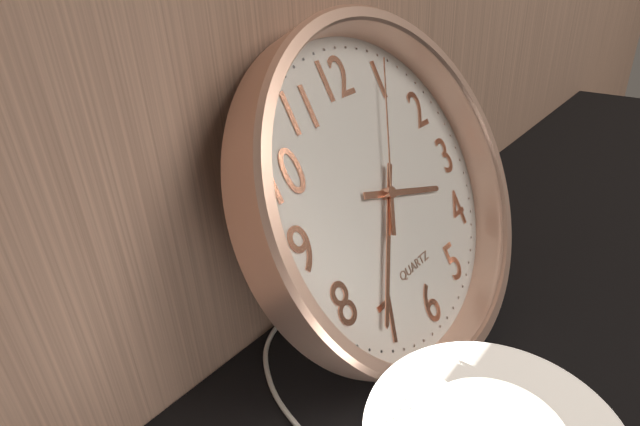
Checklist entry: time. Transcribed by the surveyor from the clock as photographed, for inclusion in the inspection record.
3:36:05
